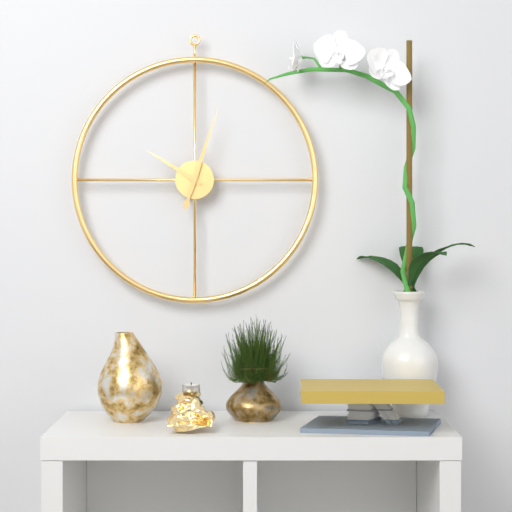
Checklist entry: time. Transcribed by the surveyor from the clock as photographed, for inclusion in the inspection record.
10:03
